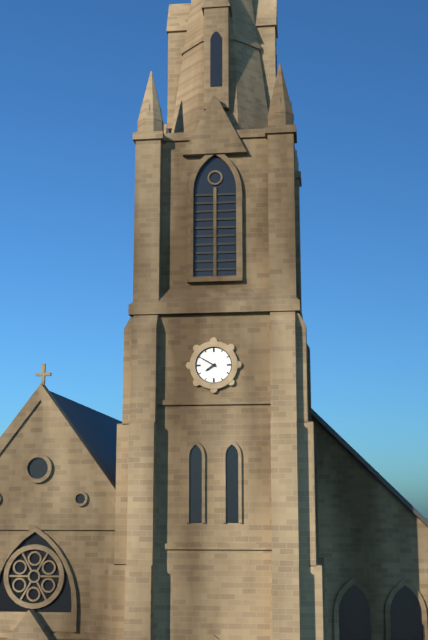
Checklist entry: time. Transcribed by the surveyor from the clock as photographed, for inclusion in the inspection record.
7:50
